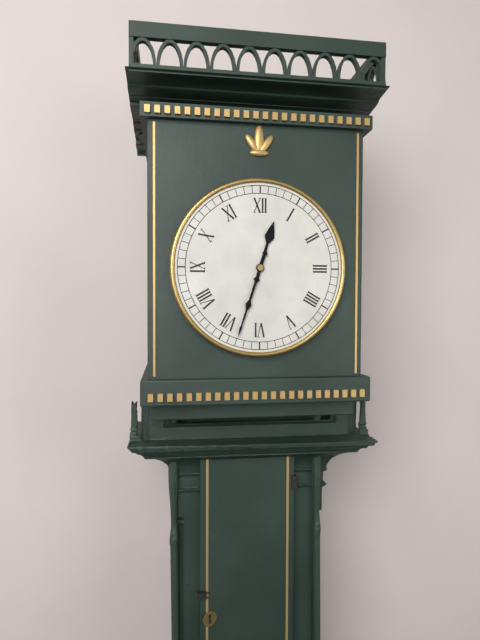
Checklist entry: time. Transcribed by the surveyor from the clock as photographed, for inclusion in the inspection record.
12:33
